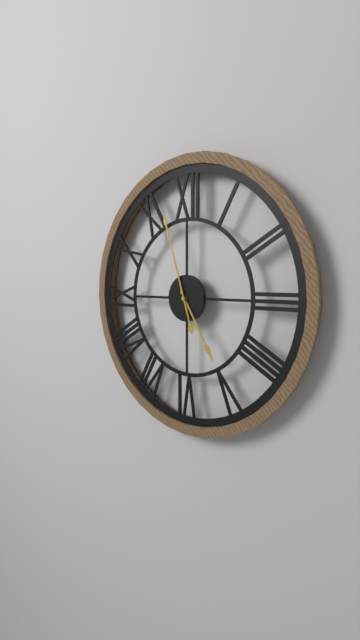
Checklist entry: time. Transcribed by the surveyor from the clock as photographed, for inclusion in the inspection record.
4:57
